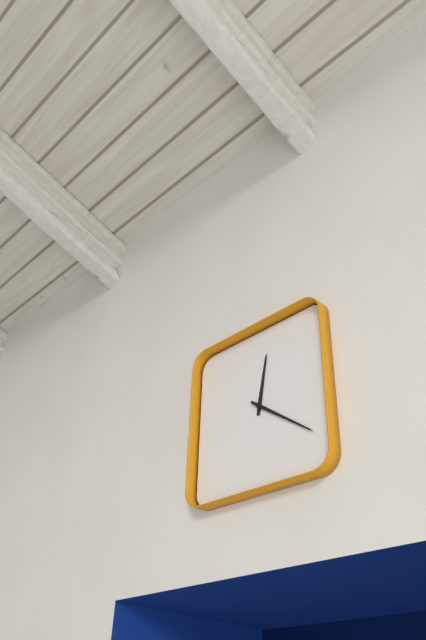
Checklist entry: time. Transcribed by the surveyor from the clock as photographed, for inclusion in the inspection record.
12:21
